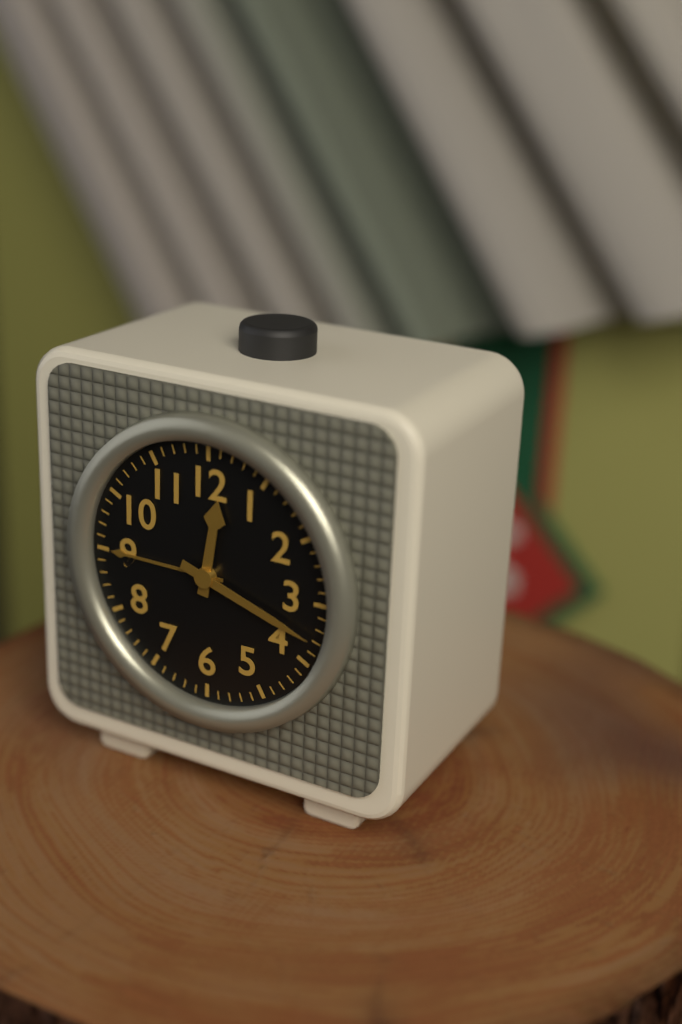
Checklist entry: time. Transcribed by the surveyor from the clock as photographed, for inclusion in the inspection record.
12:18
